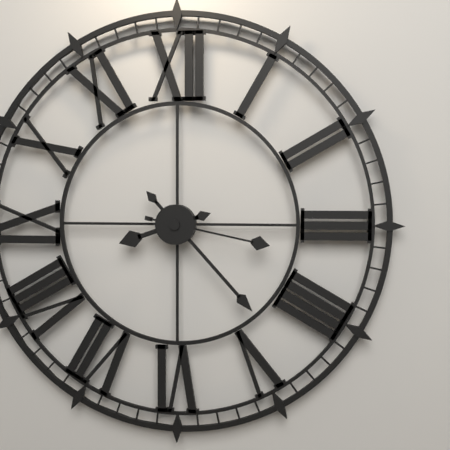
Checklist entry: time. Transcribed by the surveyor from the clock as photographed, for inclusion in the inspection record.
8:23:17
